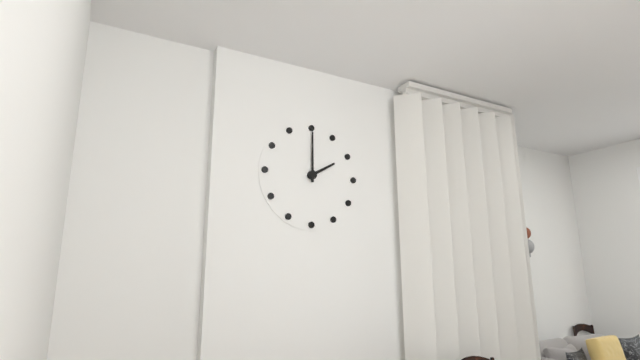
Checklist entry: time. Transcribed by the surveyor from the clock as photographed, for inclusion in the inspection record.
2:00
